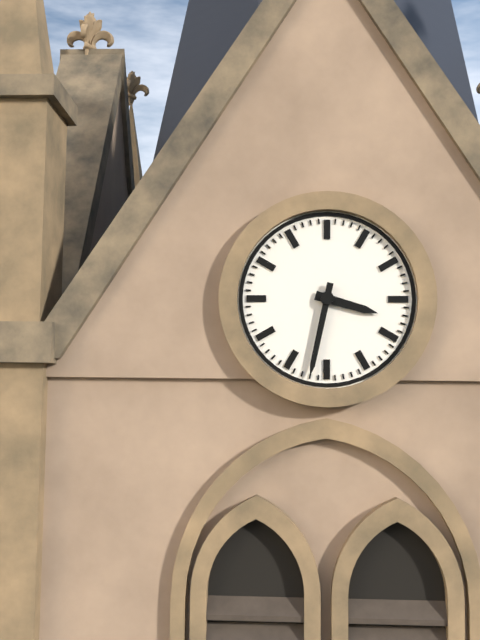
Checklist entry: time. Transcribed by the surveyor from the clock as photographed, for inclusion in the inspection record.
3:32
